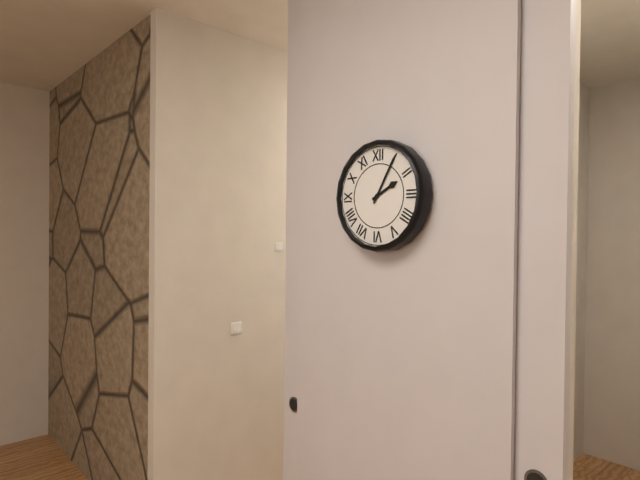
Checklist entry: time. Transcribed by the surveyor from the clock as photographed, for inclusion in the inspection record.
2:05
